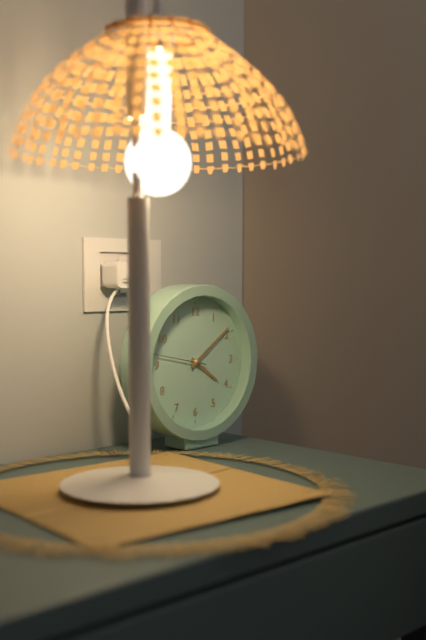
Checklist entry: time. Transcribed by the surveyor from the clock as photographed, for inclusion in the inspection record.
4:09:47
